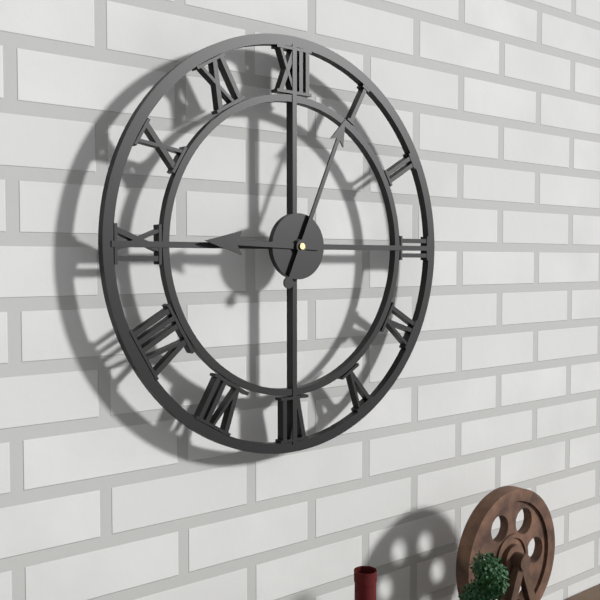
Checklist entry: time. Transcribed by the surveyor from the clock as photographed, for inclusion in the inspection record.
9:04
